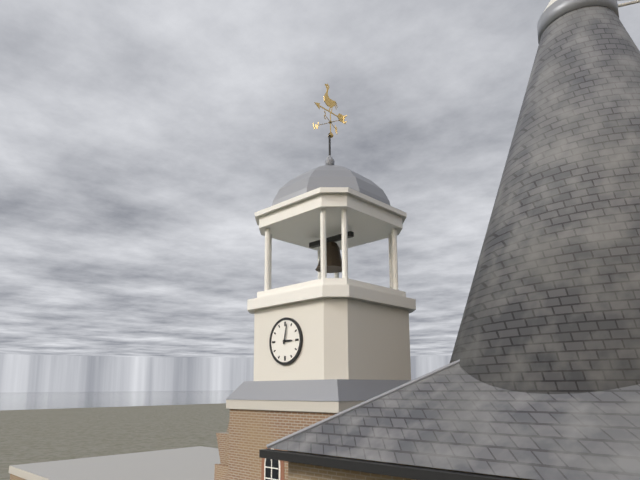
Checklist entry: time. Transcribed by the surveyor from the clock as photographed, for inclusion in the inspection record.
3:02
